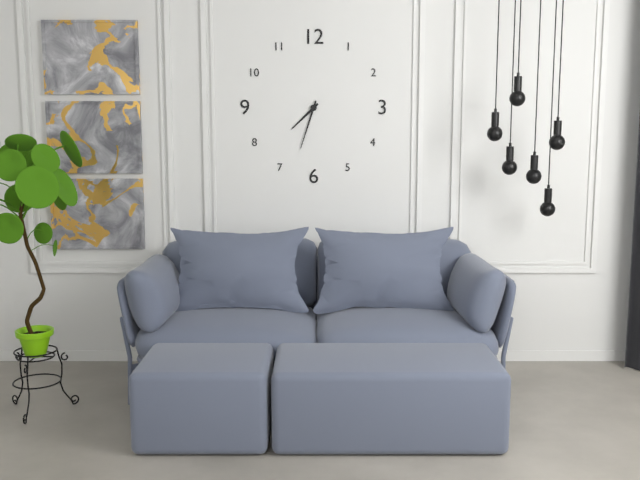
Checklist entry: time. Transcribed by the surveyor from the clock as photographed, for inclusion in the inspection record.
7:33
